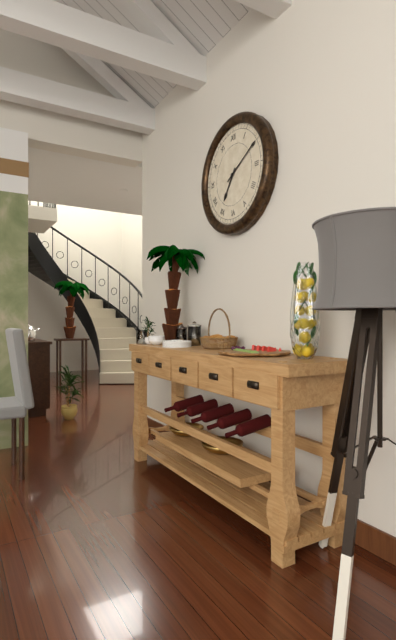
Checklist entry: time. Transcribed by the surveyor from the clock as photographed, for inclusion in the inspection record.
7:10
